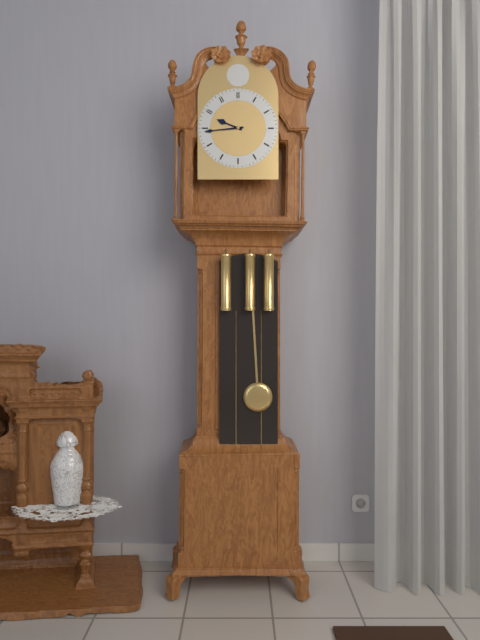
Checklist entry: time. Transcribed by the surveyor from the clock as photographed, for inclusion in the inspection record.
9:44
